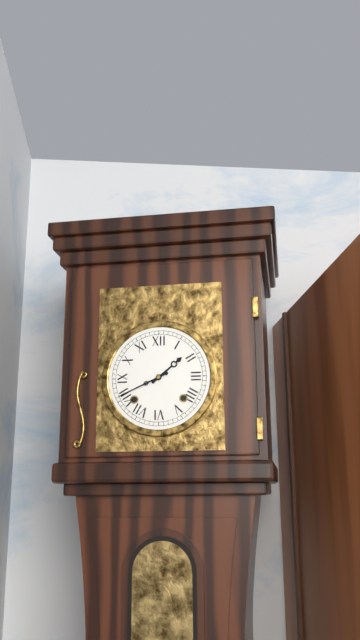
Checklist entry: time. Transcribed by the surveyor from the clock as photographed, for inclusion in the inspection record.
1:41
